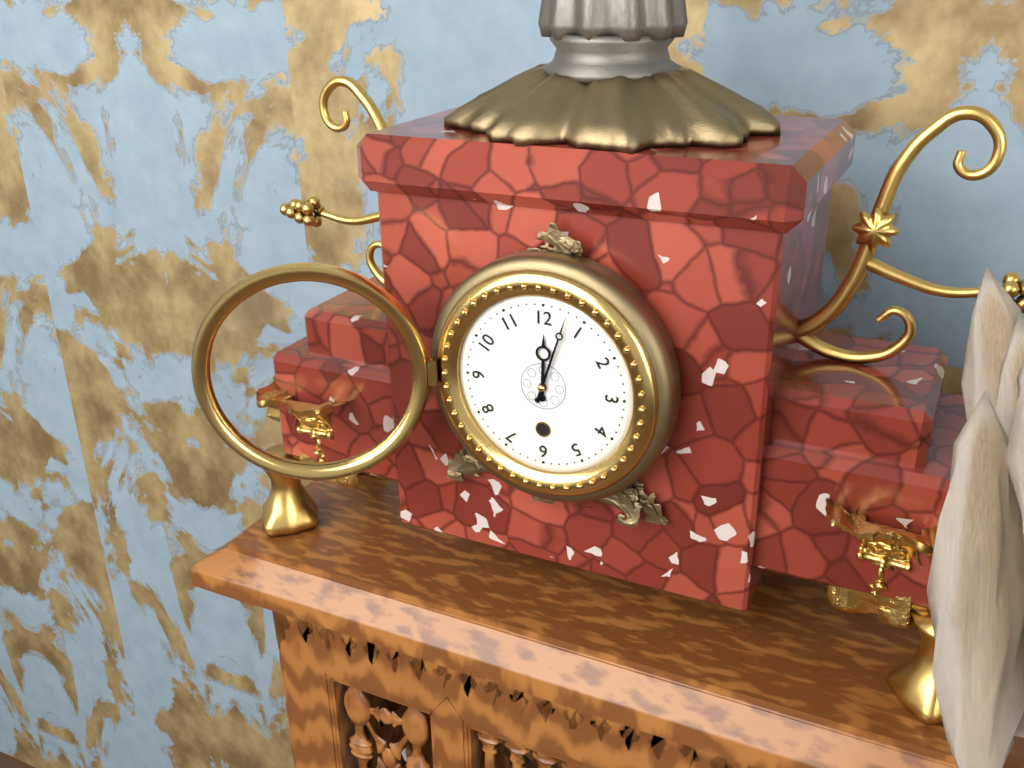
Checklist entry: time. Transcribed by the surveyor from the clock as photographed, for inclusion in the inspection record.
12:03
